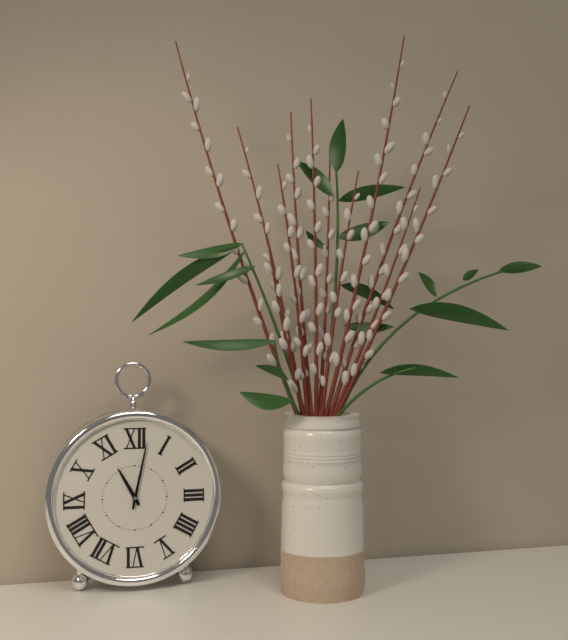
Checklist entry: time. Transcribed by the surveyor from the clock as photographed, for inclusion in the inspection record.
11:02
